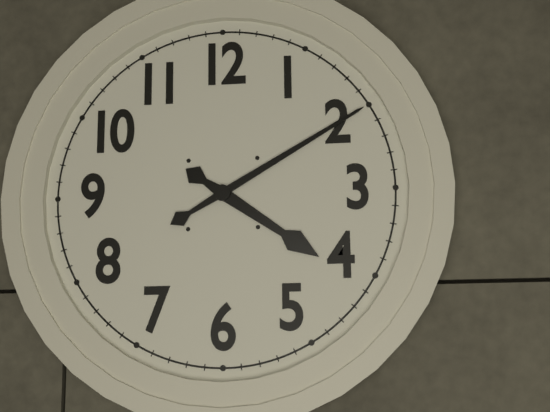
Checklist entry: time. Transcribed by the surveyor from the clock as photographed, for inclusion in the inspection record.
4:10
